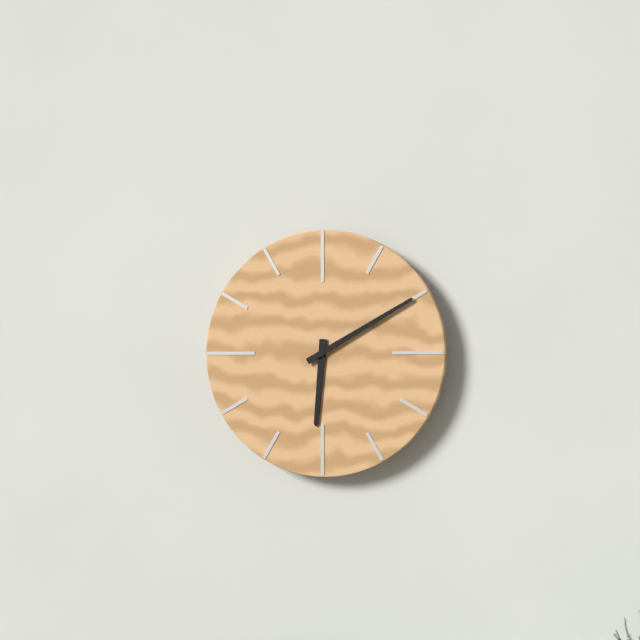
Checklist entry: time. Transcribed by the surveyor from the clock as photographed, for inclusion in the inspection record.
6:10
